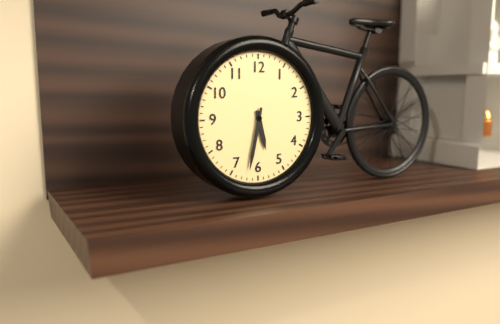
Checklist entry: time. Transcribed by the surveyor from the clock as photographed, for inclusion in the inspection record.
5:32
